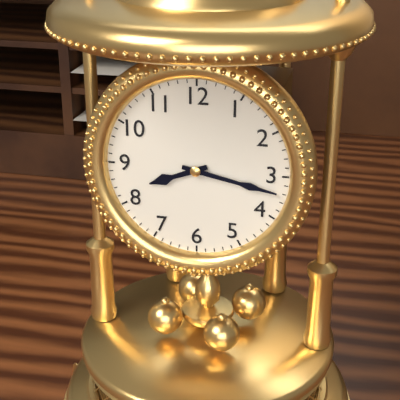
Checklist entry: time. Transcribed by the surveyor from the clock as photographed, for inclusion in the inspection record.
8:17
